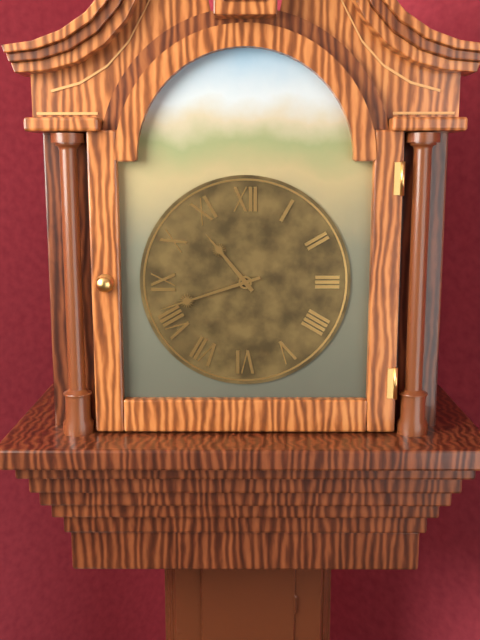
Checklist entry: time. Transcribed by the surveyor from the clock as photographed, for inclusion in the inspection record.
10:42
